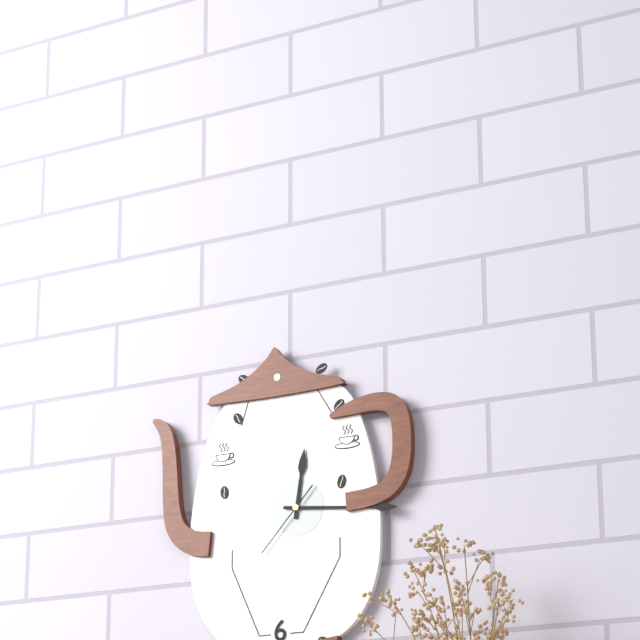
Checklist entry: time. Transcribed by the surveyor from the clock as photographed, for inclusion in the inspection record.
12:16:37
